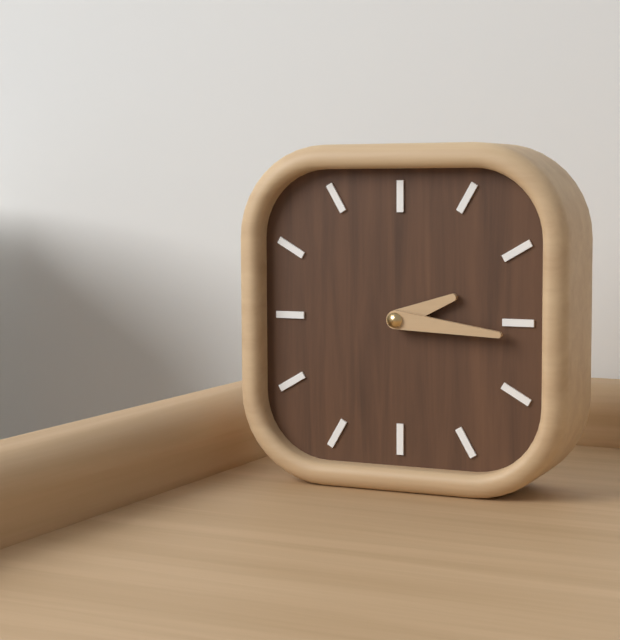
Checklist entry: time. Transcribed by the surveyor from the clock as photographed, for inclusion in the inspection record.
2:16
